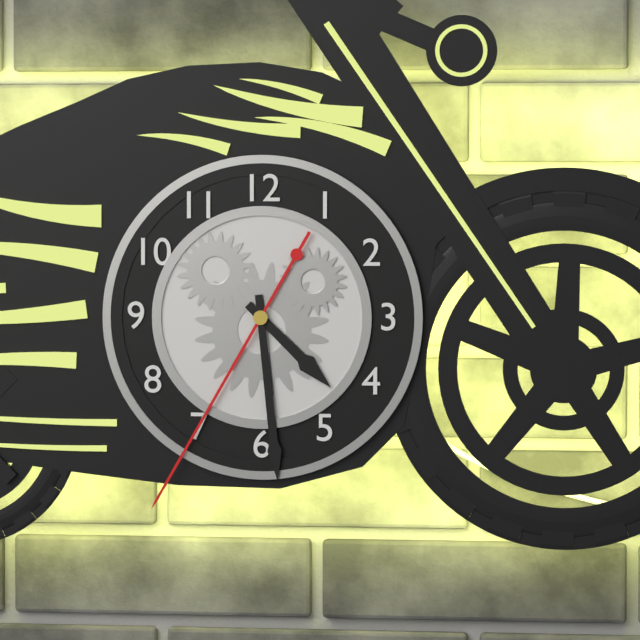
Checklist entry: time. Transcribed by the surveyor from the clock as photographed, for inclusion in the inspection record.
4:29:35
